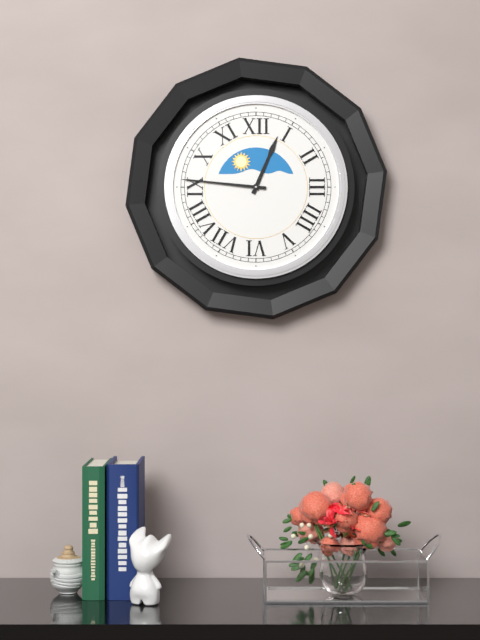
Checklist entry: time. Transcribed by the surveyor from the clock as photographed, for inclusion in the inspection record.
12:46
